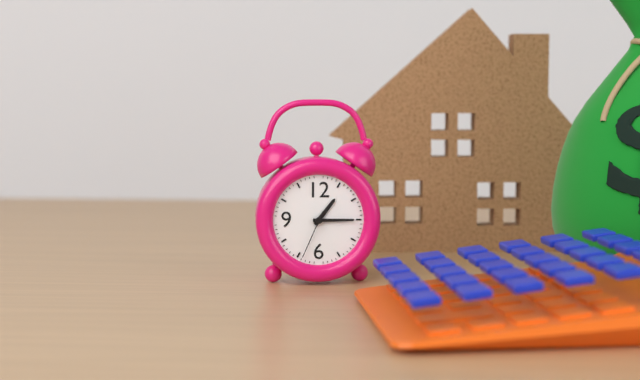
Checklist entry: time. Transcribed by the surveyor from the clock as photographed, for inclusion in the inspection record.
1:15:34
